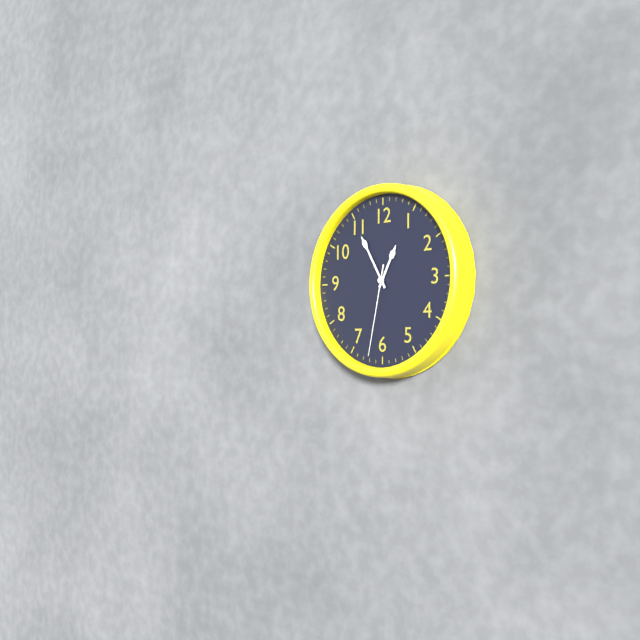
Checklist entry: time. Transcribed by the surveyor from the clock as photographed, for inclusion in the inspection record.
12:55:32
